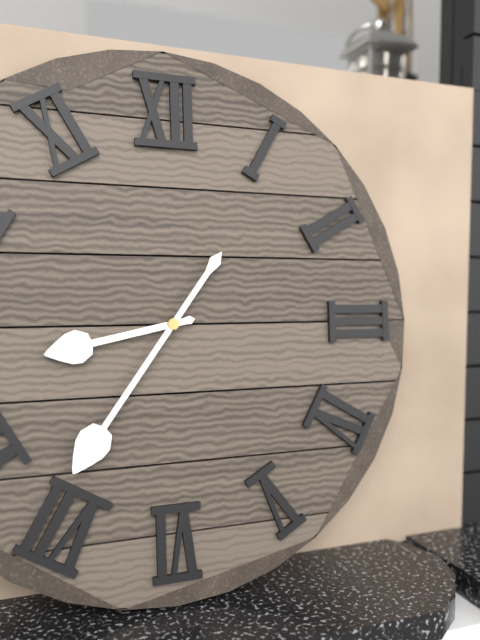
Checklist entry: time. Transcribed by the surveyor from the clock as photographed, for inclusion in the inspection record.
8:36
